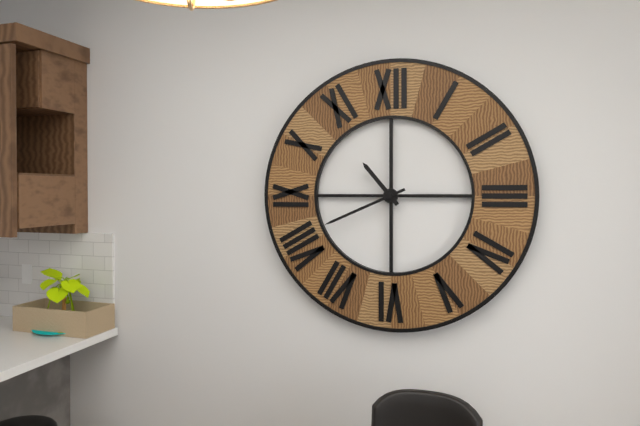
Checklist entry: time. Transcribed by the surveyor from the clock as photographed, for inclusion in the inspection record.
10:41
